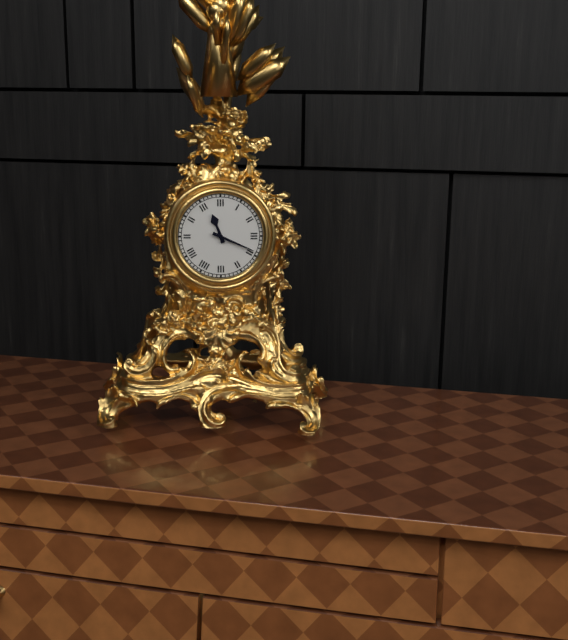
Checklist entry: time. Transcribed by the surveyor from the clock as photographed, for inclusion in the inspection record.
11:19
